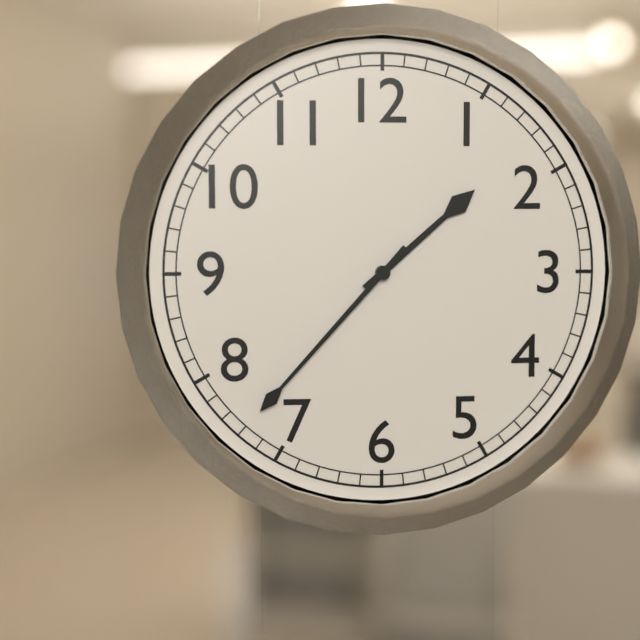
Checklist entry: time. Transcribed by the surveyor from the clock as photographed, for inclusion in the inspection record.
1:37
